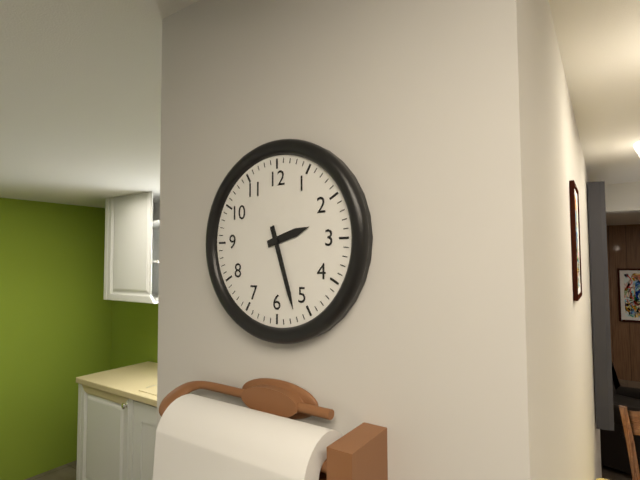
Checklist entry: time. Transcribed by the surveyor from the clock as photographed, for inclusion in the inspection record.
2:27
